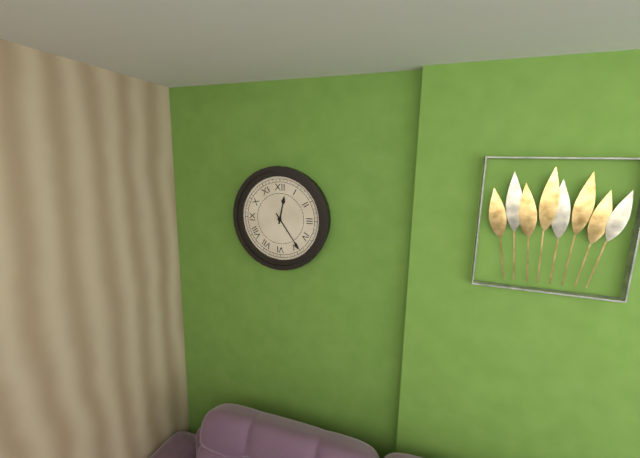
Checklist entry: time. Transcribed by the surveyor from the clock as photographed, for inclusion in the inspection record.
12:24
